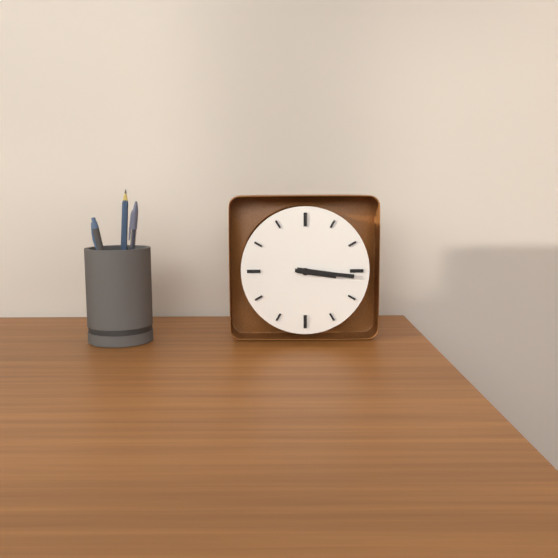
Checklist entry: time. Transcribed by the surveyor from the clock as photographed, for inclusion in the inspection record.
3:16
